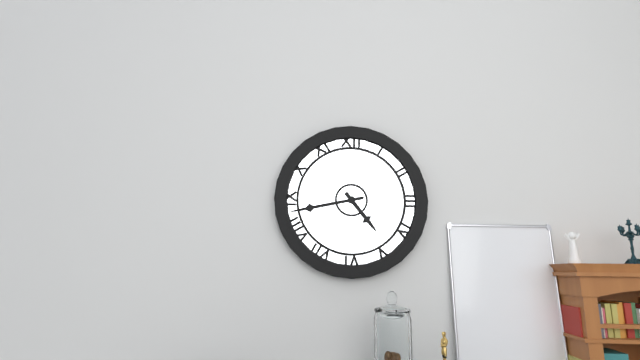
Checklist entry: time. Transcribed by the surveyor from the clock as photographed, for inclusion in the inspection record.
4:43
